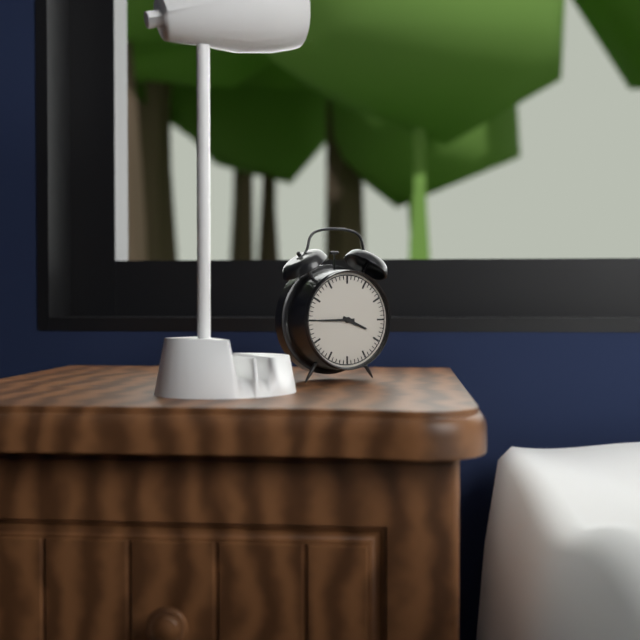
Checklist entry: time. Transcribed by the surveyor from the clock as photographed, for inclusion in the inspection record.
3:45
